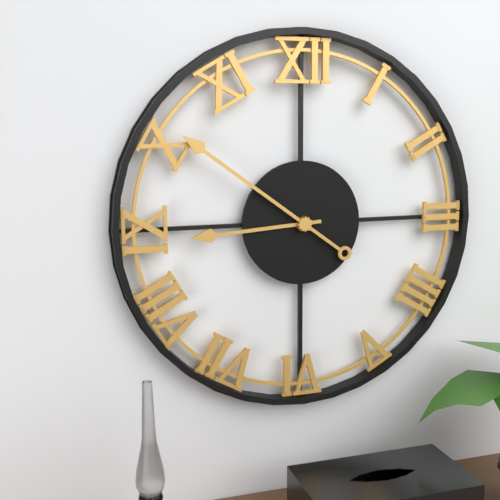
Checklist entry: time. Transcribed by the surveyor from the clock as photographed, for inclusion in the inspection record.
8:51
